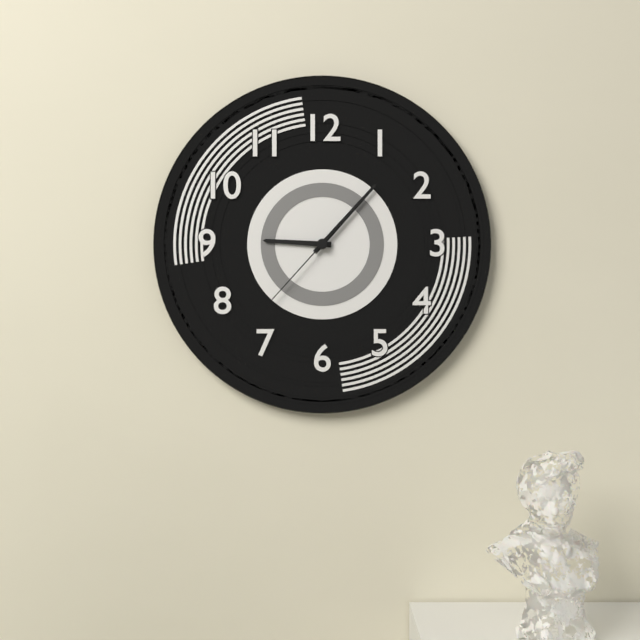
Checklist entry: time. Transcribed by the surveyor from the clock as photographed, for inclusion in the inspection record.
9:07:37
